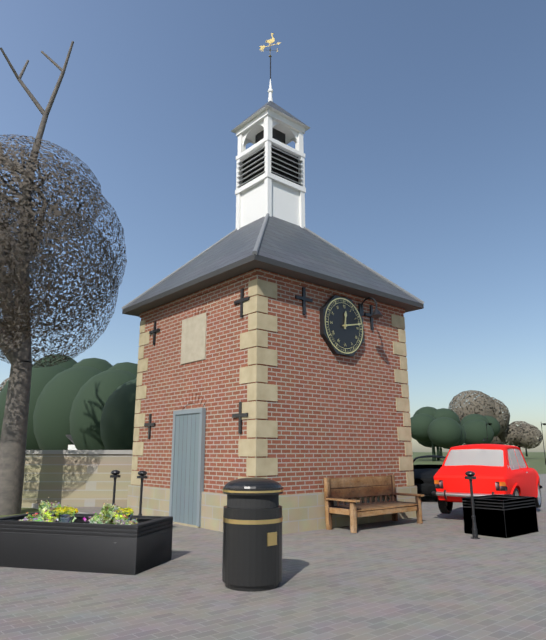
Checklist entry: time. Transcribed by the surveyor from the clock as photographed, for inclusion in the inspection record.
12:13
